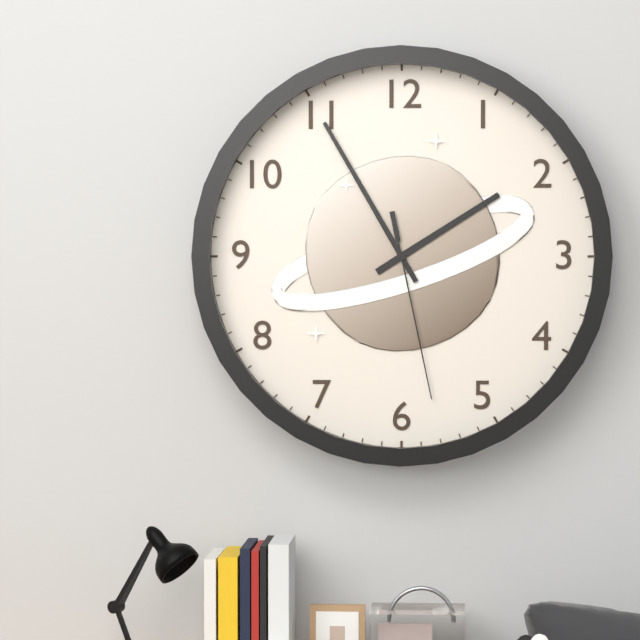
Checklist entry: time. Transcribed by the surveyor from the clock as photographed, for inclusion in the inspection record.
1:55:28
